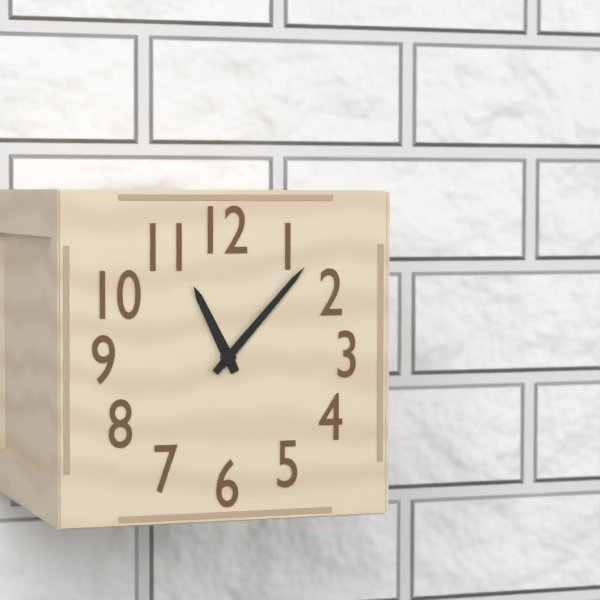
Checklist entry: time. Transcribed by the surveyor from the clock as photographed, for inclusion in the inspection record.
11:07
